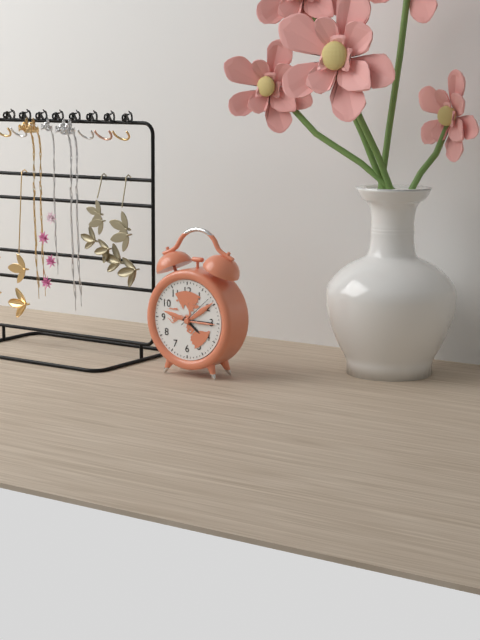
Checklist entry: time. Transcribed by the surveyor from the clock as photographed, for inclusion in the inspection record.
4:15
